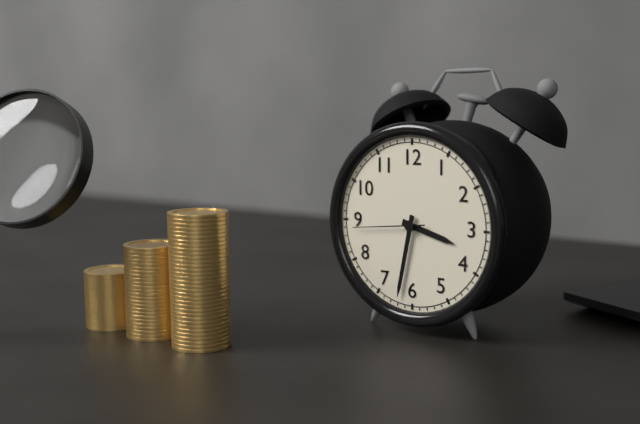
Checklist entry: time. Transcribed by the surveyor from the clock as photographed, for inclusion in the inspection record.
3:32:44
